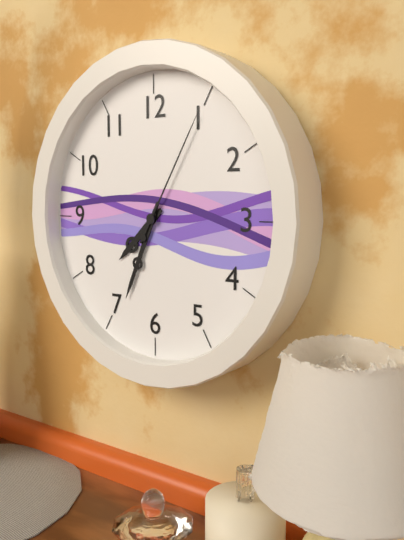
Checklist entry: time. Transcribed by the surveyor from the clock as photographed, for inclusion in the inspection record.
7:34:05
